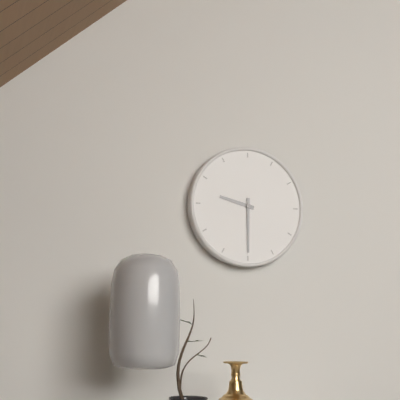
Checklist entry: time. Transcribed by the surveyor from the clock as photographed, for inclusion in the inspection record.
9:30
